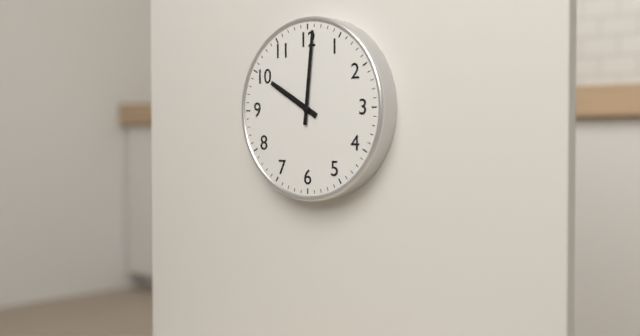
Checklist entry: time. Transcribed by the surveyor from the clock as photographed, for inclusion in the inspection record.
10:01
